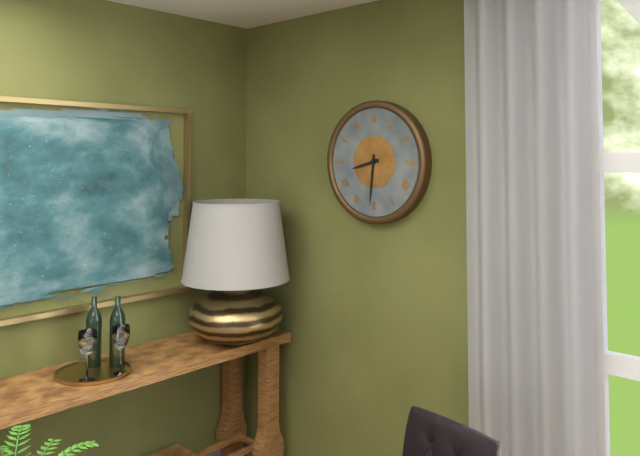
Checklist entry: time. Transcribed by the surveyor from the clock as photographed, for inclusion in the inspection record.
8:31
